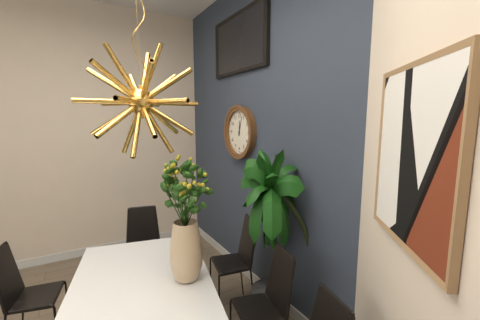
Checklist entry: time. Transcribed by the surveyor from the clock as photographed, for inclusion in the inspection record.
12:03
